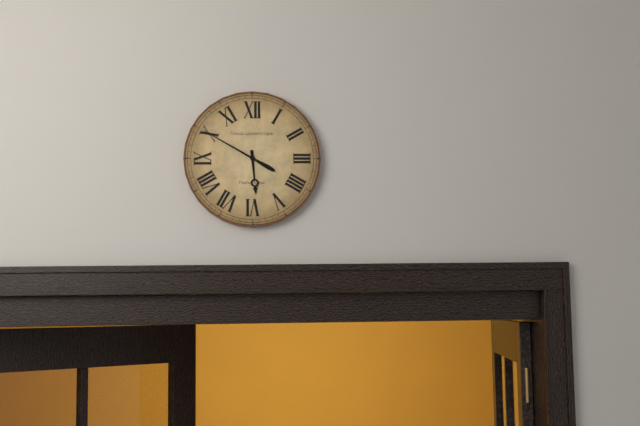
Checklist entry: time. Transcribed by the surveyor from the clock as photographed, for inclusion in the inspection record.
5:50
